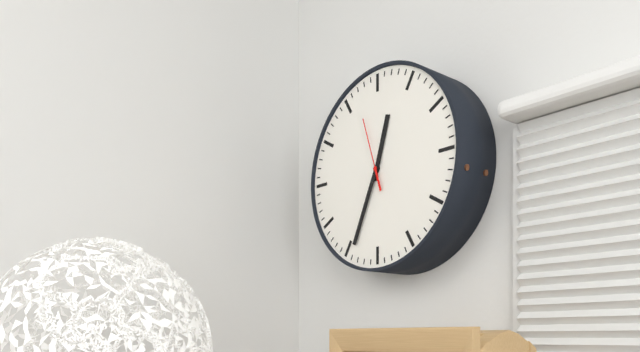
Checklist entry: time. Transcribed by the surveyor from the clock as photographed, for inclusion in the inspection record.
12:34:57
